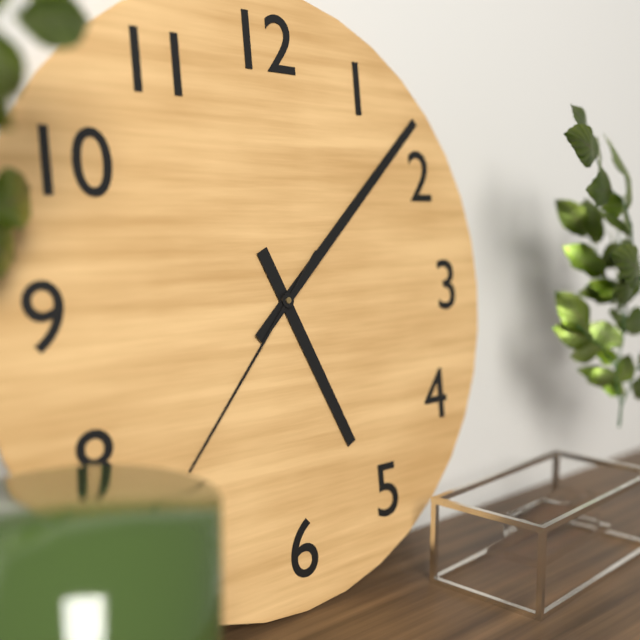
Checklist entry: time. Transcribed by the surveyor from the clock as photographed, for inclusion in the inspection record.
5:08:37
